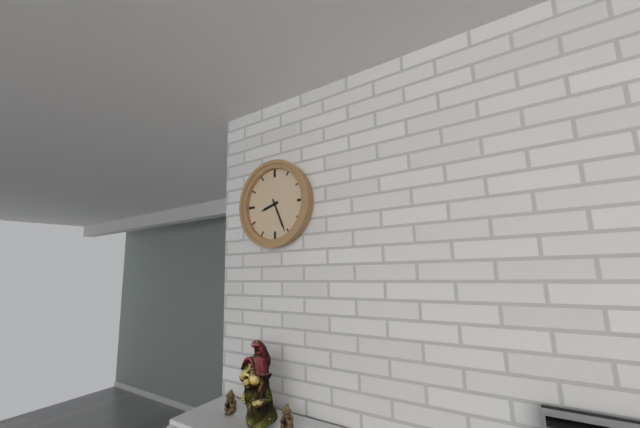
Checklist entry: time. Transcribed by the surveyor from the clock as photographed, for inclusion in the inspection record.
8:26
